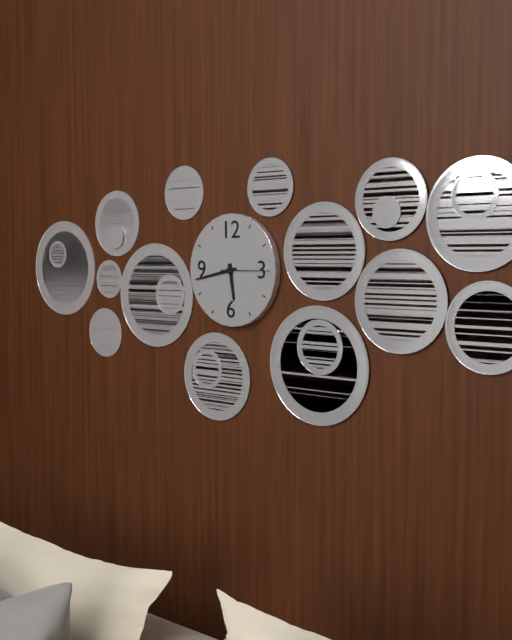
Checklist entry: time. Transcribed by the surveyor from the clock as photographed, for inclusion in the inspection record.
5:43
